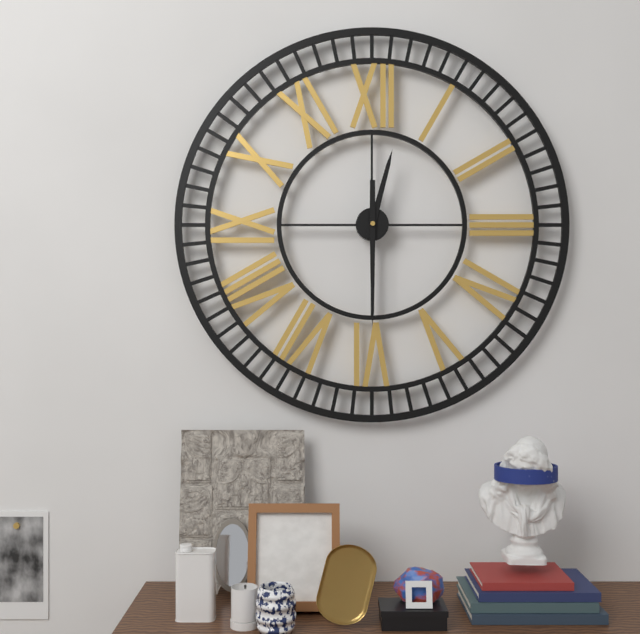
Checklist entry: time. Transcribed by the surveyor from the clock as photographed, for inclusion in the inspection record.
12:30
